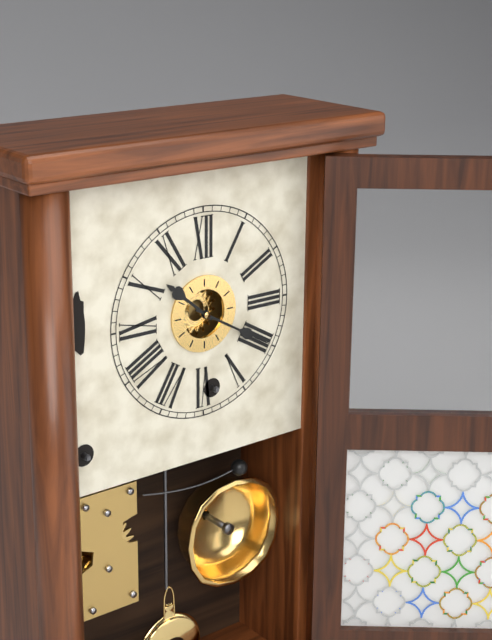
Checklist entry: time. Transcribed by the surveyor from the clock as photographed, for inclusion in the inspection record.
10:20
